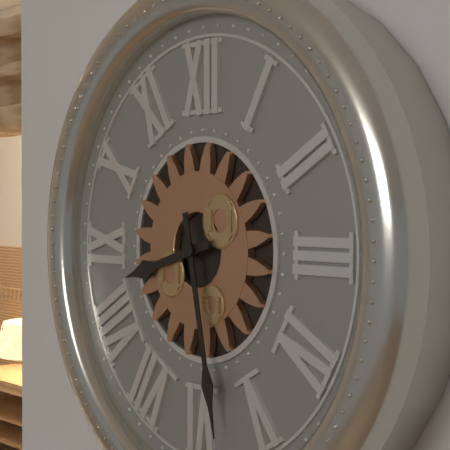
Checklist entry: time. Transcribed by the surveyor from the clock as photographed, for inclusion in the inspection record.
8:28
